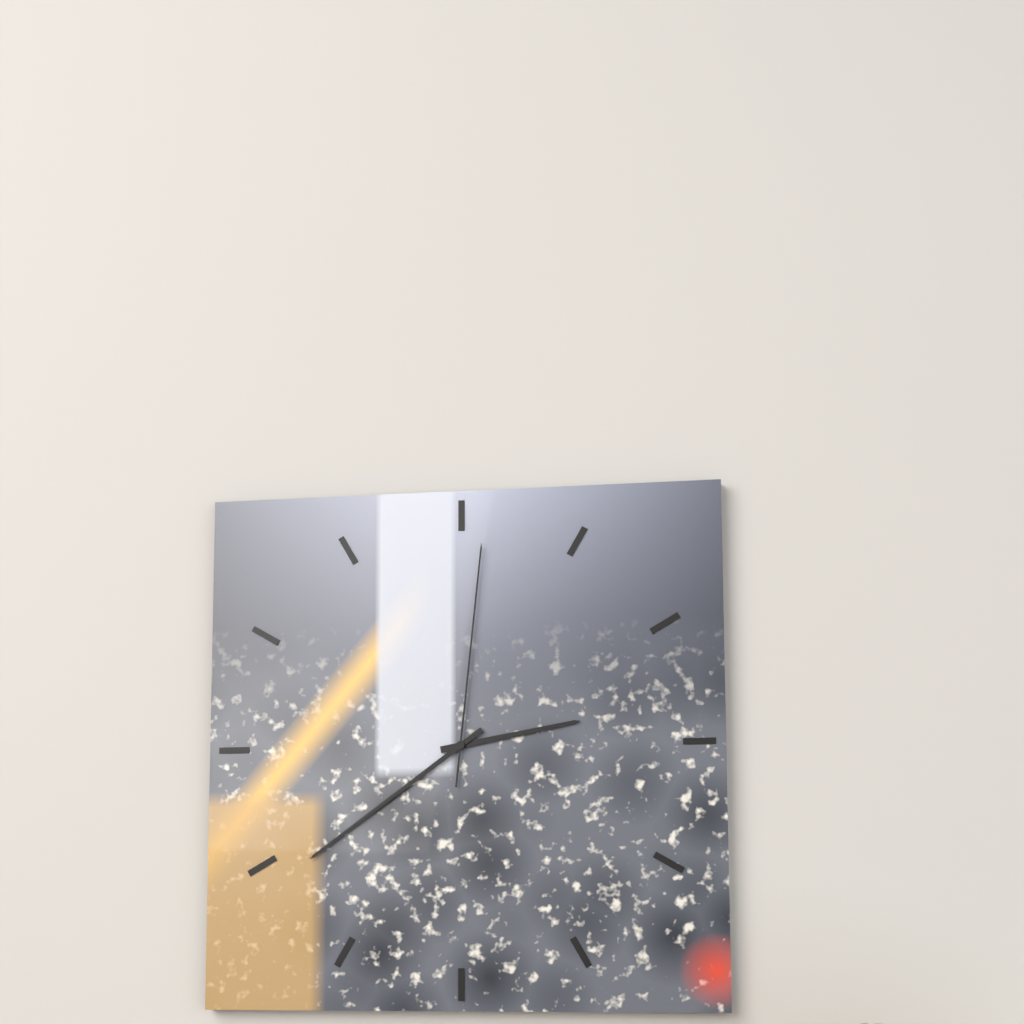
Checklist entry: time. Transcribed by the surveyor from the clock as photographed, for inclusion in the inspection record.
2:39:01
